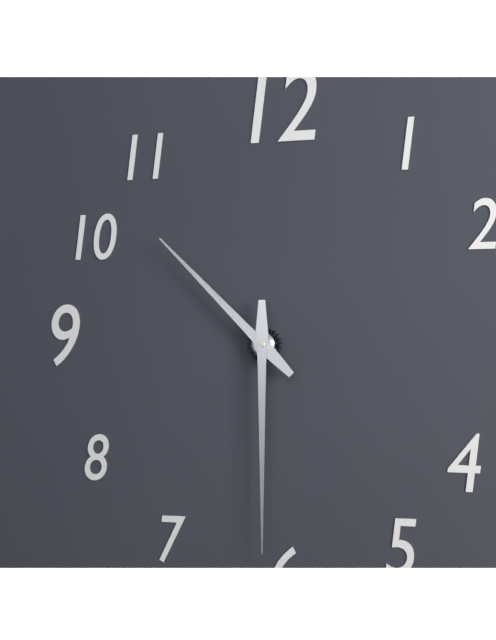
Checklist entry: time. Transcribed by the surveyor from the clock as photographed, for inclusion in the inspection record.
10:30
